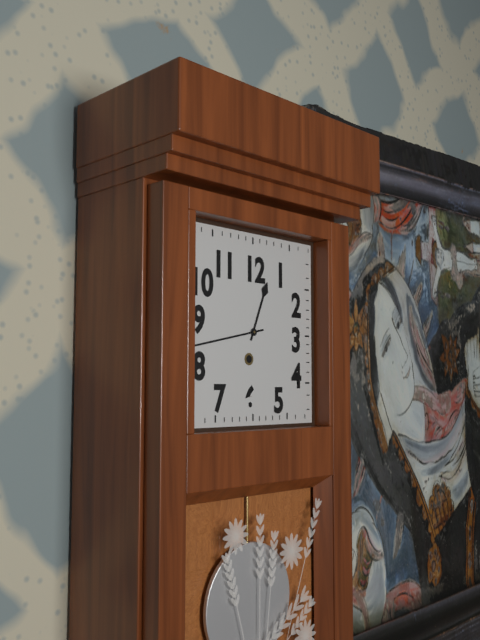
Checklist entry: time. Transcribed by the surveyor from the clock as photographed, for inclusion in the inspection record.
12:43
